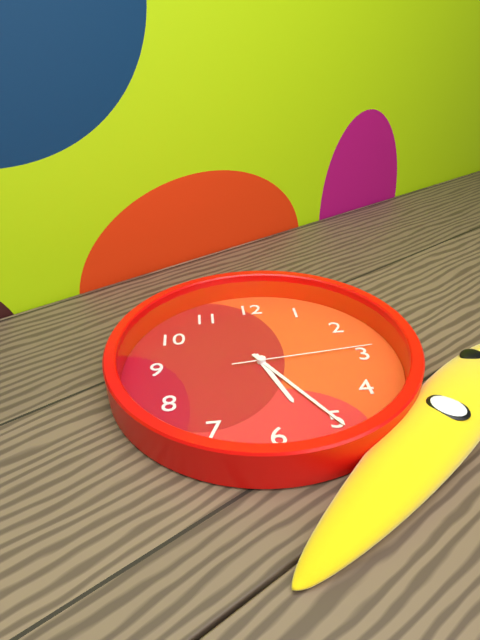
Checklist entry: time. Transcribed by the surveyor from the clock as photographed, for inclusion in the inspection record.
5:25:14
